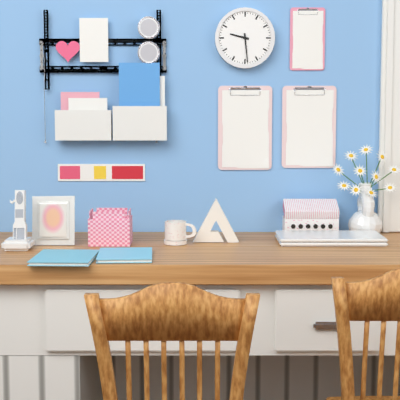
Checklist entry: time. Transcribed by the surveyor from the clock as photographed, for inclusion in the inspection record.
9:29
